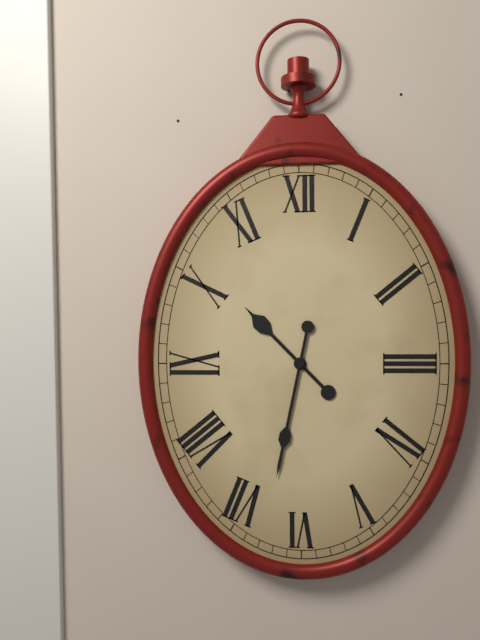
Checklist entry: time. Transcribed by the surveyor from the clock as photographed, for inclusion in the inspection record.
10:32
